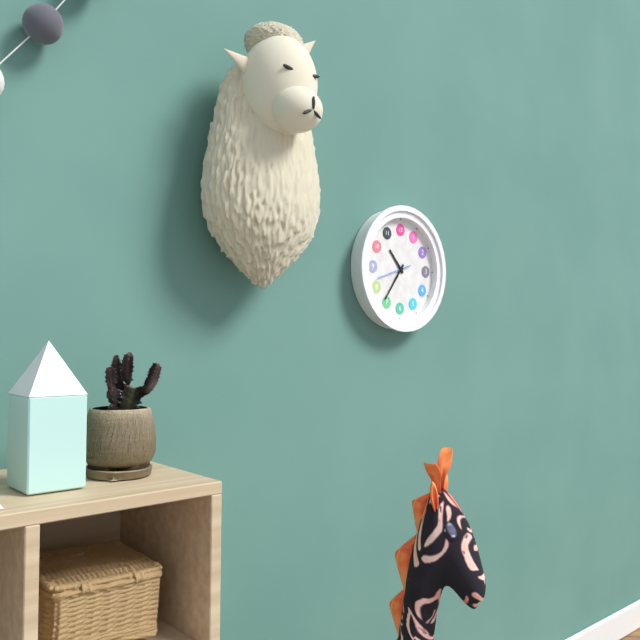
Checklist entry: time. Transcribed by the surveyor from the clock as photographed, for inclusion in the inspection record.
10:36
